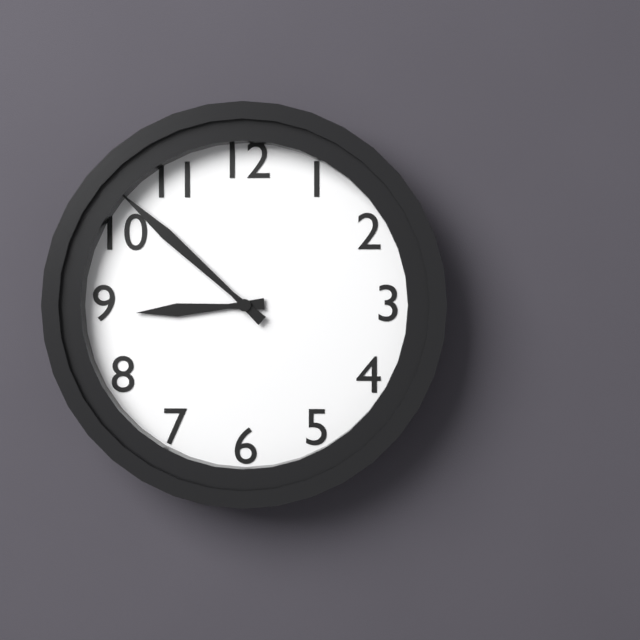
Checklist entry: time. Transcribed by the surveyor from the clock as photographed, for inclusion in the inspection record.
8:52
